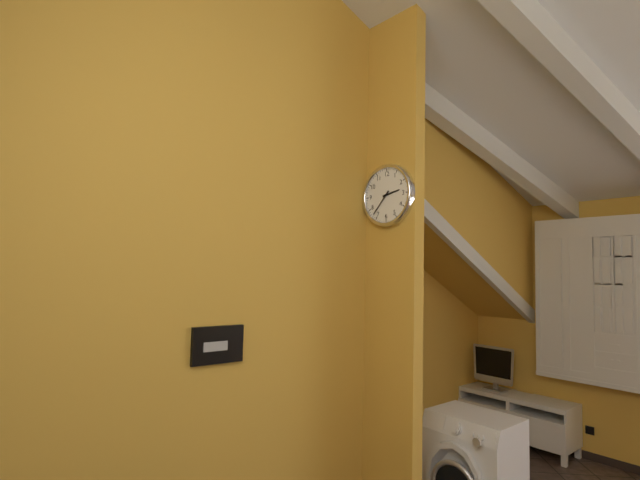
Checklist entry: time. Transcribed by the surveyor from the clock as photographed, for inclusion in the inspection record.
2:37
